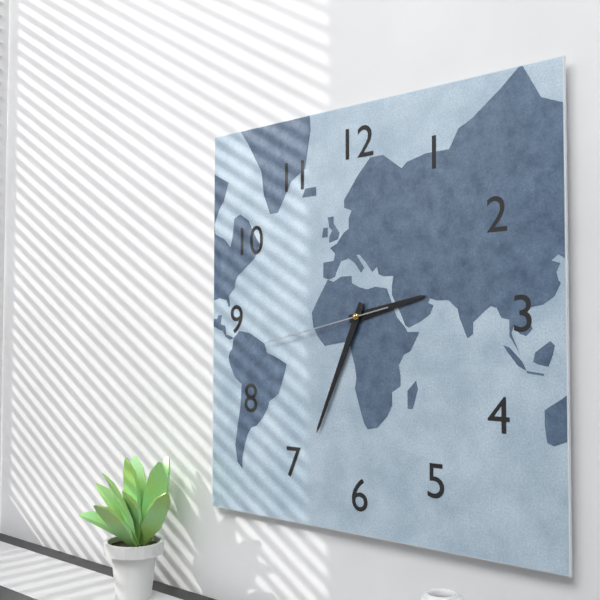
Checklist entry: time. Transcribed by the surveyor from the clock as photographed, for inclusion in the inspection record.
2:34:43
